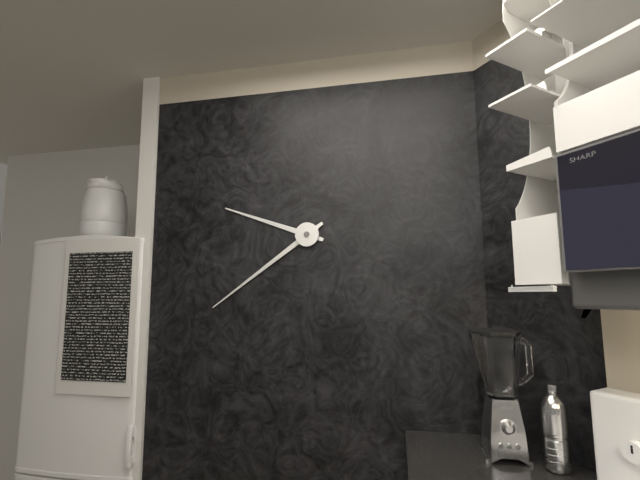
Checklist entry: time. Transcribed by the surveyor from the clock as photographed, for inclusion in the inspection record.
9:39
